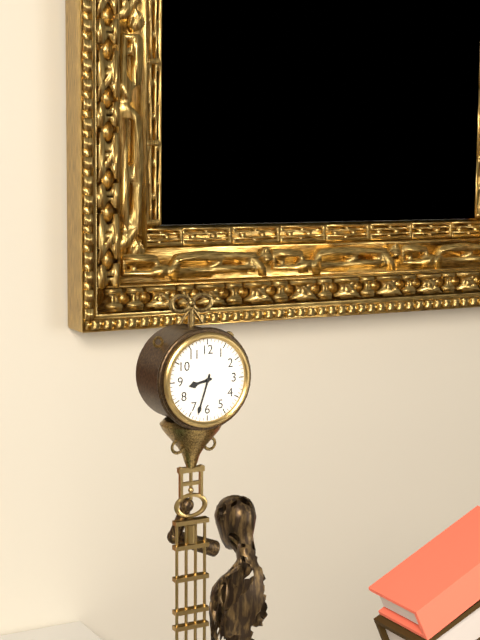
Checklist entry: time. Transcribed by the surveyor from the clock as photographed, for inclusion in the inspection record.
8:33
